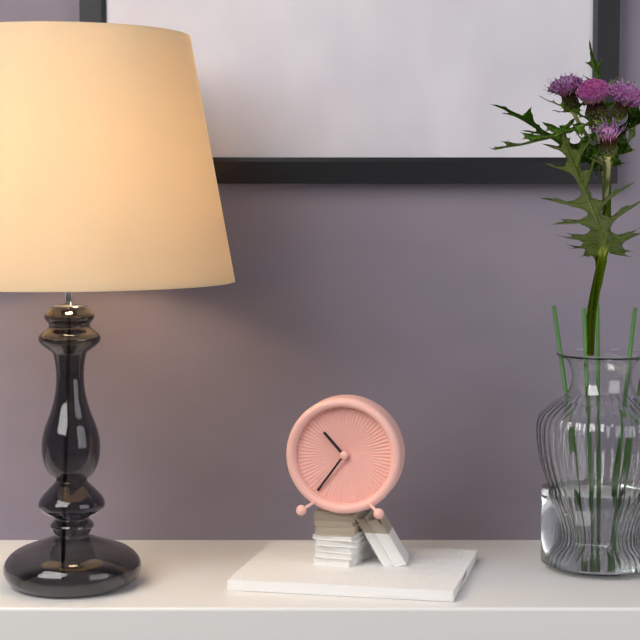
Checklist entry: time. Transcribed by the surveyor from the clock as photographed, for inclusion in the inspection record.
10:36
